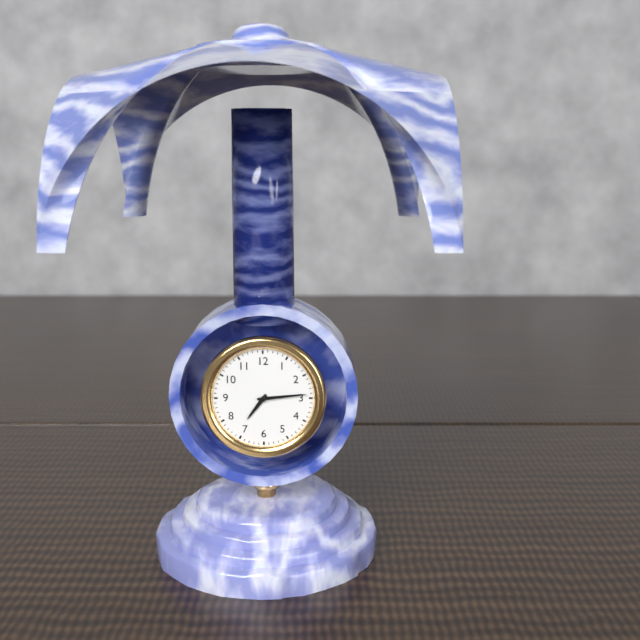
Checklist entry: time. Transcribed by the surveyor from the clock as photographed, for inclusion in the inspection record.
7:14
